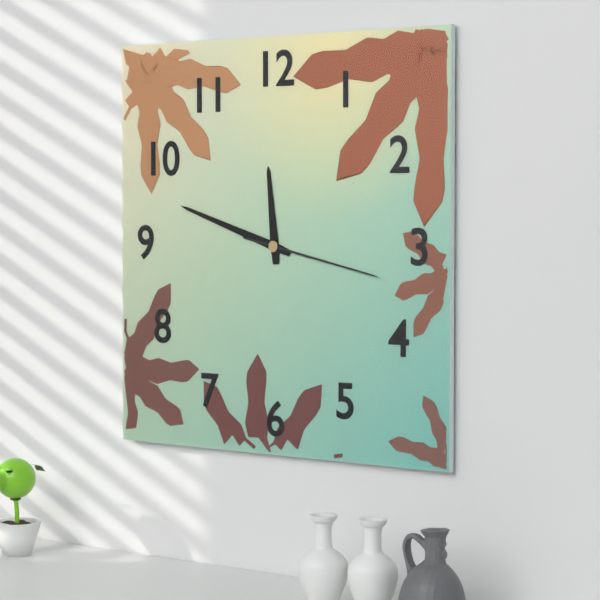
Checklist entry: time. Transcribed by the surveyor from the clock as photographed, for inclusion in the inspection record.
11:48:17
